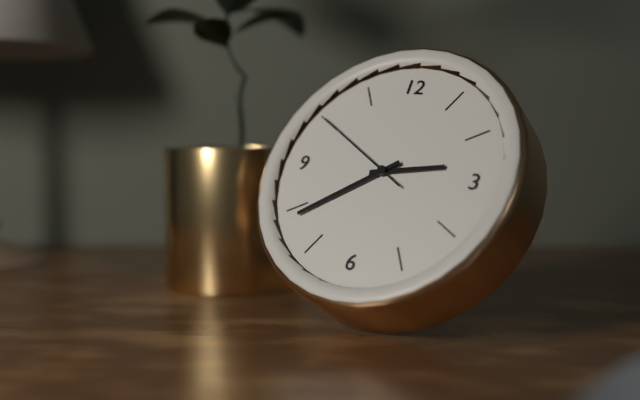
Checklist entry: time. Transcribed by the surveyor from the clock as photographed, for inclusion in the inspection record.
2:39:50
